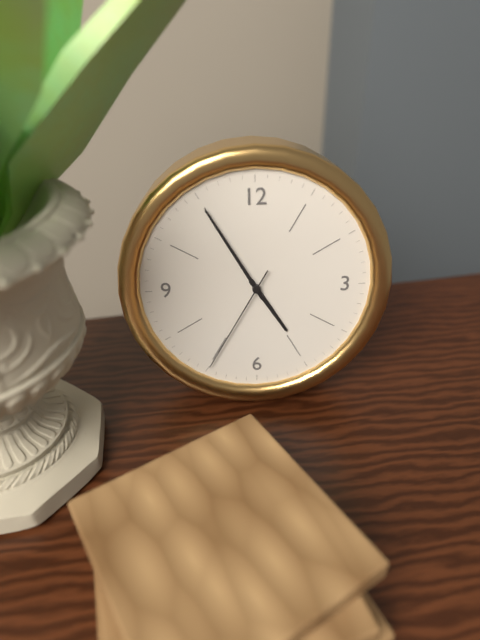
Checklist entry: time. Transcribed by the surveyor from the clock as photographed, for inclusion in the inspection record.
4:55:35
